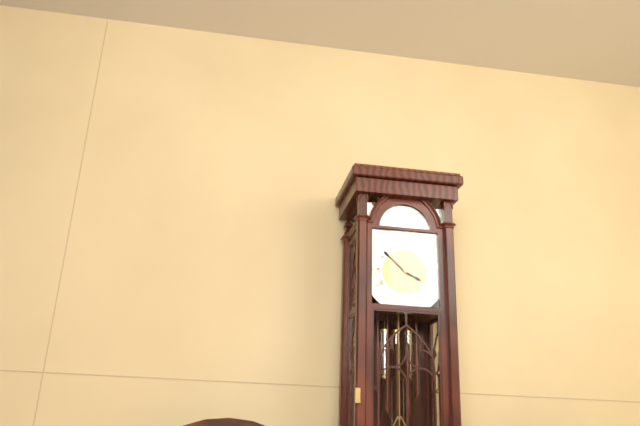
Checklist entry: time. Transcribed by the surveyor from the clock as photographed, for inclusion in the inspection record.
3:52
